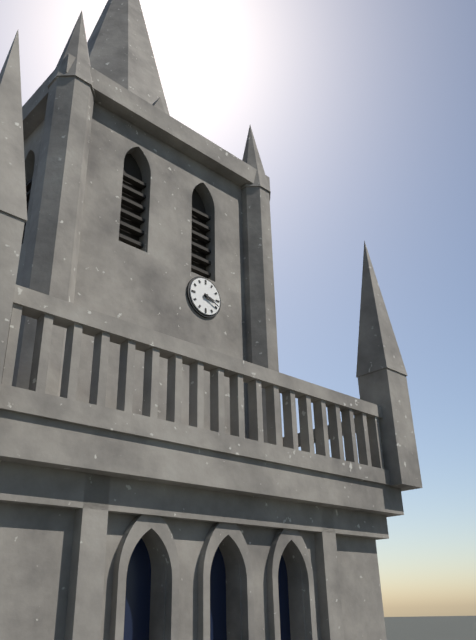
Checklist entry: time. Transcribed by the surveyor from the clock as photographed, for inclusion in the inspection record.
3:19
